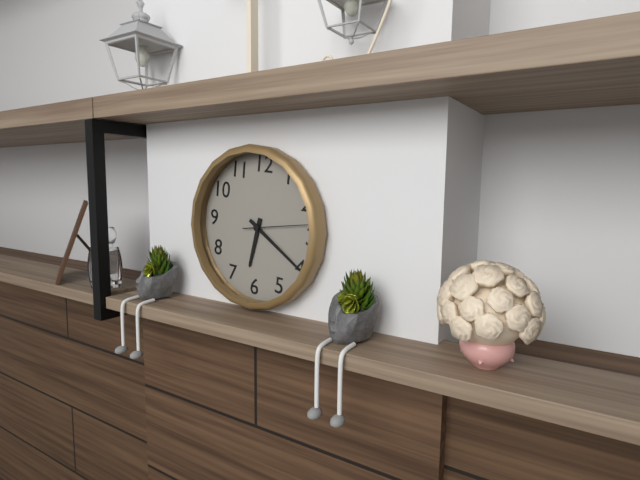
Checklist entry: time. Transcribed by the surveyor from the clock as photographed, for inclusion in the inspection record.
6:20:13
